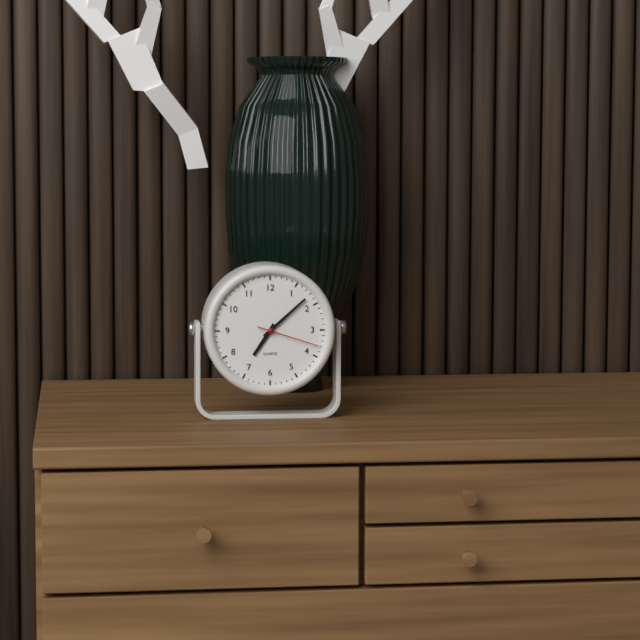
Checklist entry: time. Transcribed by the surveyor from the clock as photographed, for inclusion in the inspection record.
7:08:18
